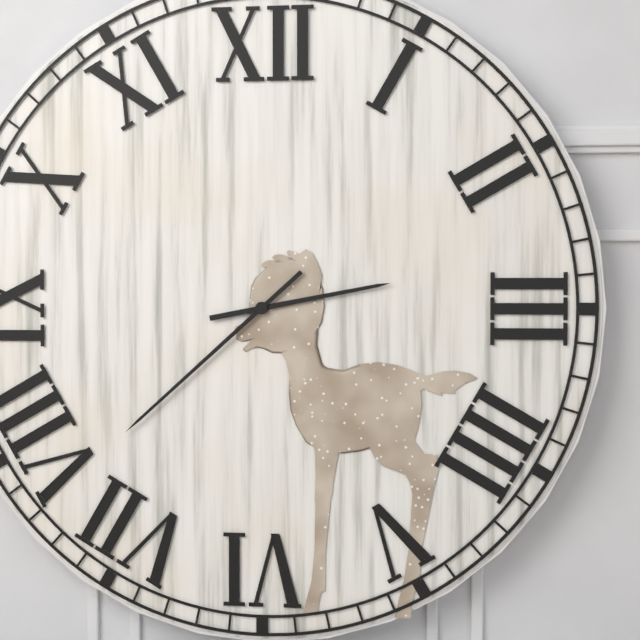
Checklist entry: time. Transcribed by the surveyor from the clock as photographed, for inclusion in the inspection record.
2:38
